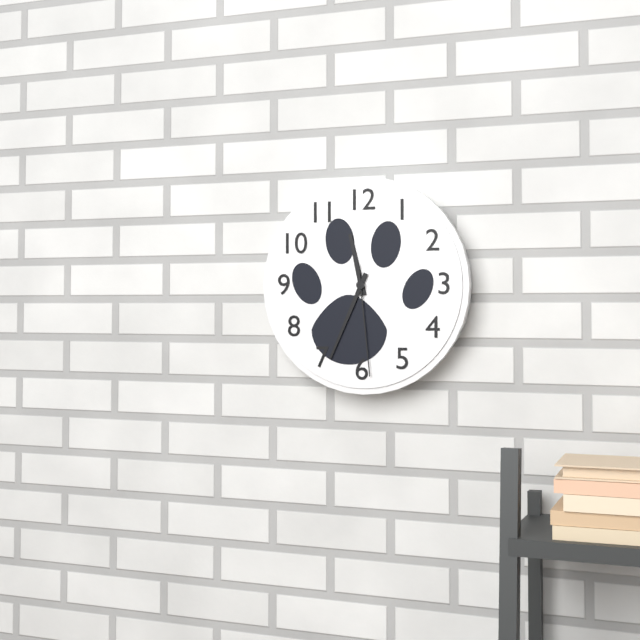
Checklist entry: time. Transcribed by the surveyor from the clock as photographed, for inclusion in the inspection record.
11:34:29
